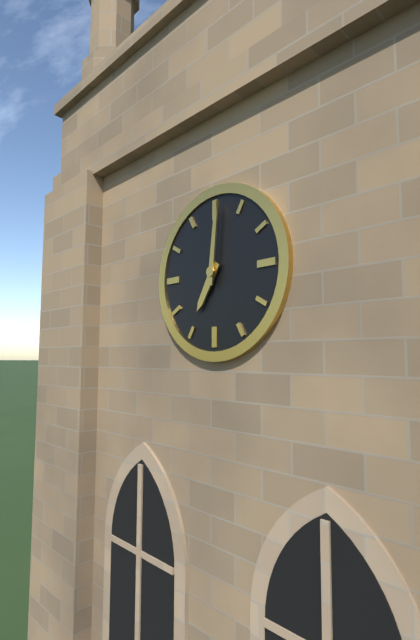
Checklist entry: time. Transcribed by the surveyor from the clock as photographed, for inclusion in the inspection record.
7:01
